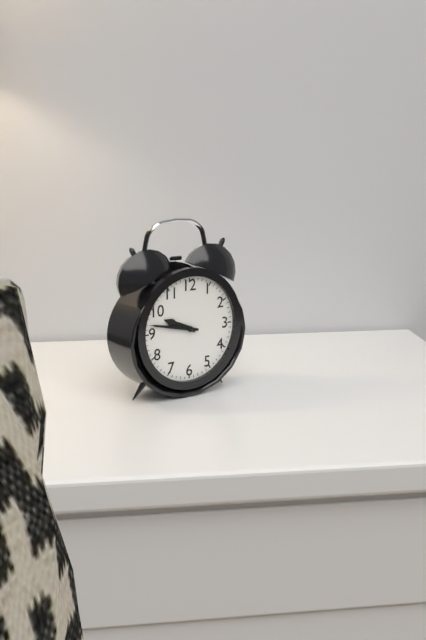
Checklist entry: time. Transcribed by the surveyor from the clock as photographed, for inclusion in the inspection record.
9:47
